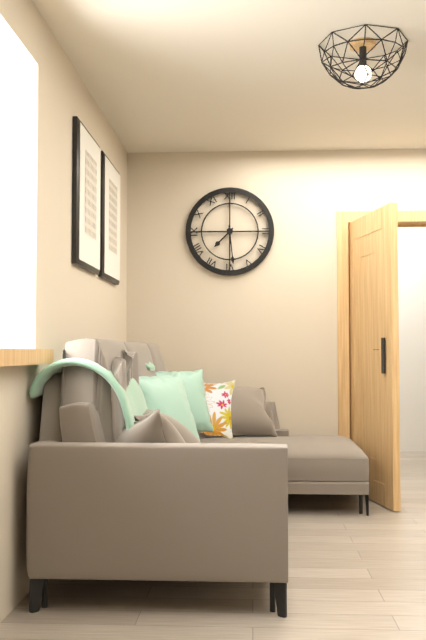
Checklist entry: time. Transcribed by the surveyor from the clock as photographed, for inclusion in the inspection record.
7:29
